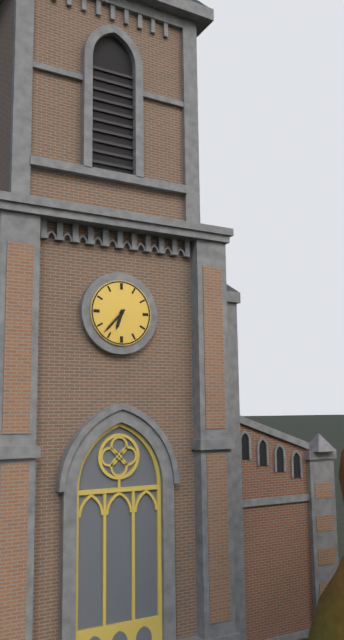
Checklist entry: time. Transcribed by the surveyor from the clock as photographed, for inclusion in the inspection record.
6:37
